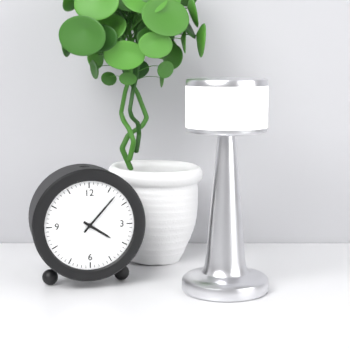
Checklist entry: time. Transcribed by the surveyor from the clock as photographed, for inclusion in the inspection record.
4:07
